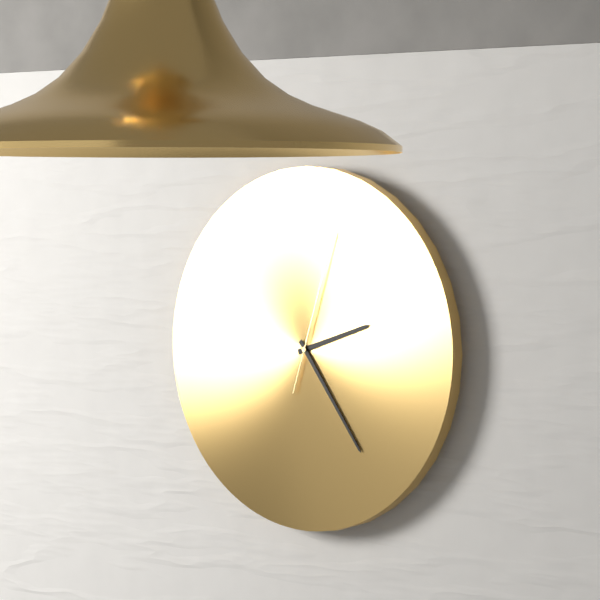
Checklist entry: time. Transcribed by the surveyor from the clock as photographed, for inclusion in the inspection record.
2:24:03
